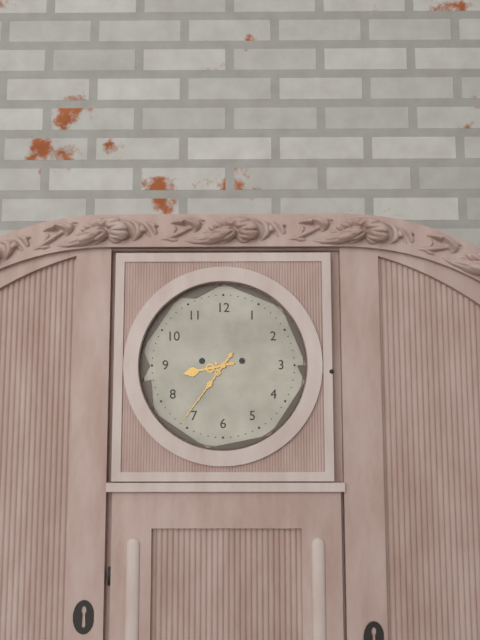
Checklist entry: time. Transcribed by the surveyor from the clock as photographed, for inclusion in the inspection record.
8:36
